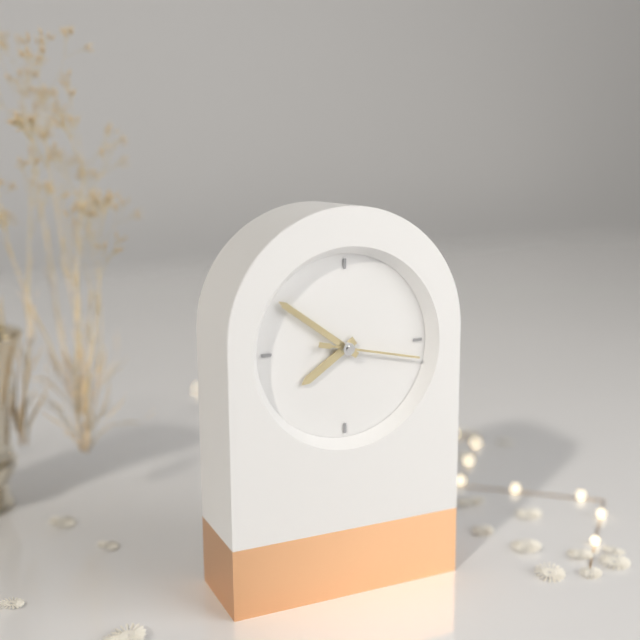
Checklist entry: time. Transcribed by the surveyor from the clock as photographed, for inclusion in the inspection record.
7:51:17
